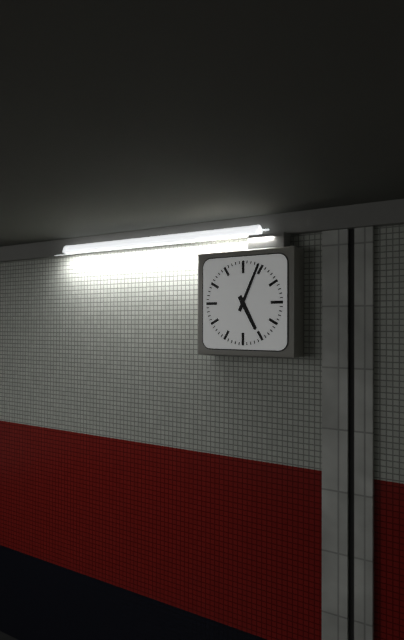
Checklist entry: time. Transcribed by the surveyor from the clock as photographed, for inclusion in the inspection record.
5:04
